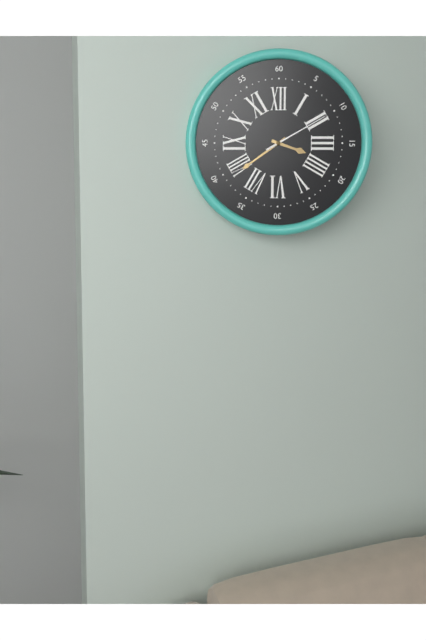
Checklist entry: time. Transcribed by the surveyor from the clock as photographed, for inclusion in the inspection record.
3:39:10
